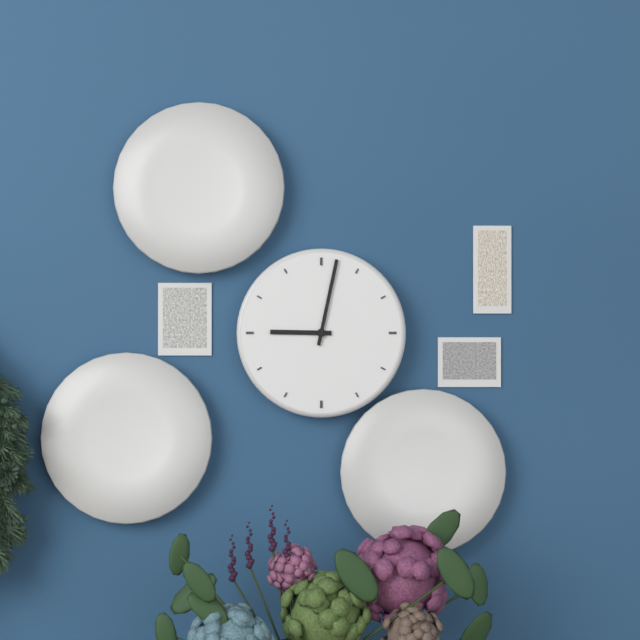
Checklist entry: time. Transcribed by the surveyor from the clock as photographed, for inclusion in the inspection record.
9:02
